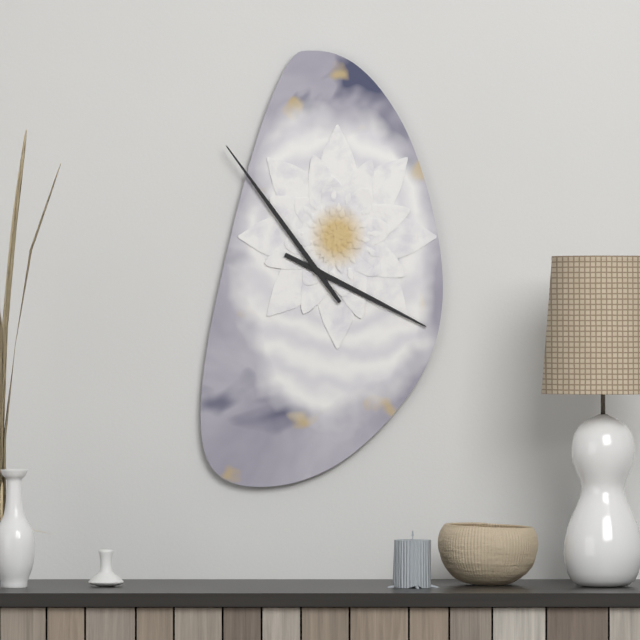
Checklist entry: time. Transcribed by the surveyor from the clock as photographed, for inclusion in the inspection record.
3:54
